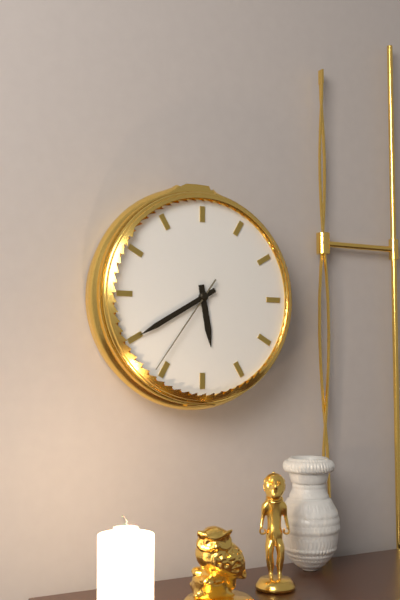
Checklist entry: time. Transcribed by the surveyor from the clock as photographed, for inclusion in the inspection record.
5:40:36
